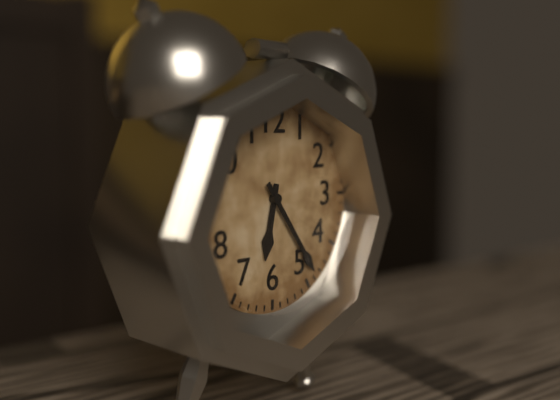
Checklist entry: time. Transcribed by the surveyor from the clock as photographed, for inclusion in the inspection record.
6:24
